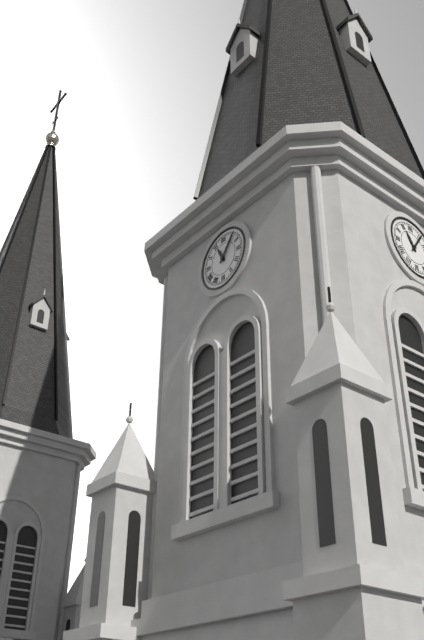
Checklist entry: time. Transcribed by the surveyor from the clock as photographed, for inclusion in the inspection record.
11:06
